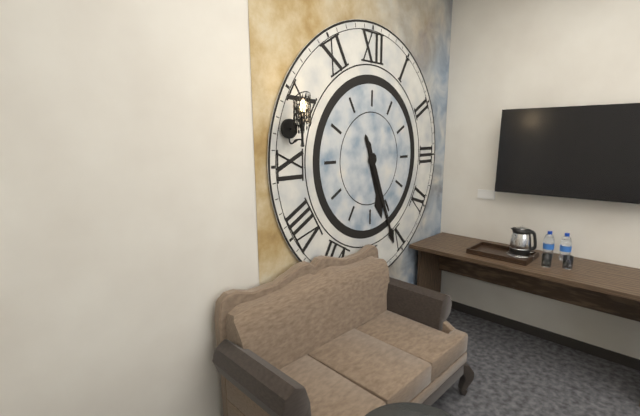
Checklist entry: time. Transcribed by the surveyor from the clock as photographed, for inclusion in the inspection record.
5:26
